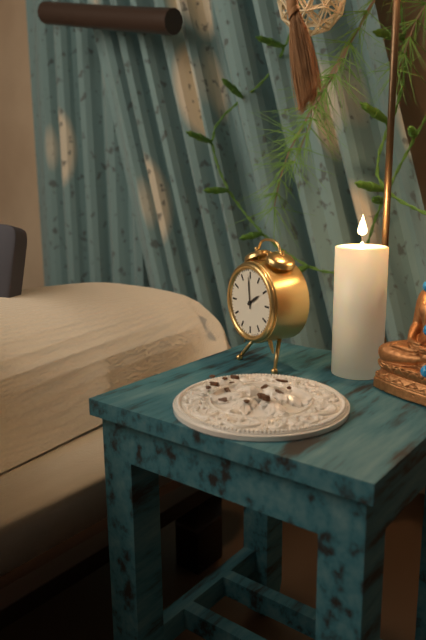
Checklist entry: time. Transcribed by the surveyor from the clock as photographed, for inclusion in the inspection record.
1:59
